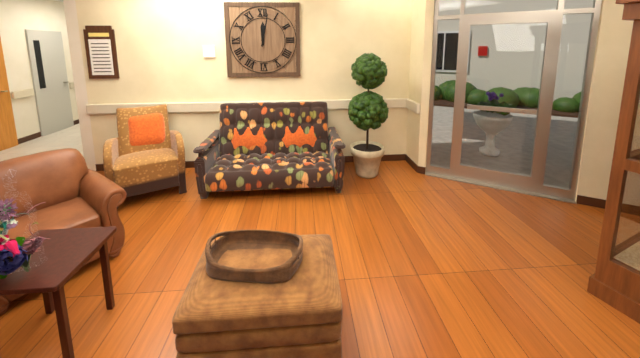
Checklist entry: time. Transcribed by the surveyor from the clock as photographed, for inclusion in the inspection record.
12:02
